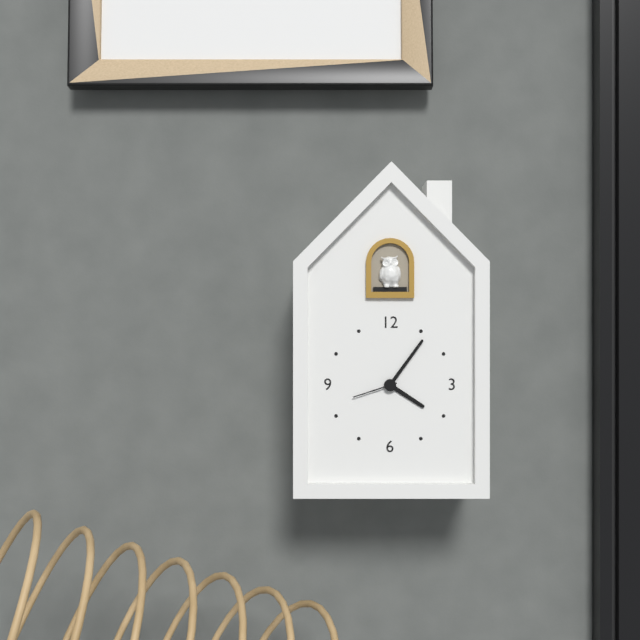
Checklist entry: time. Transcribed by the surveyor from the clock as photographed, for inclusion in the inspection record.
4:06
